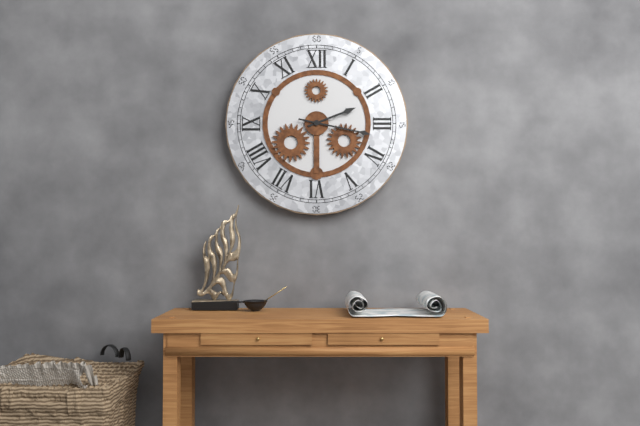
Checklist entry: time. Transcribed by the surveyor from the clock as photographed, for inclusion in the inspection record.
2:17
